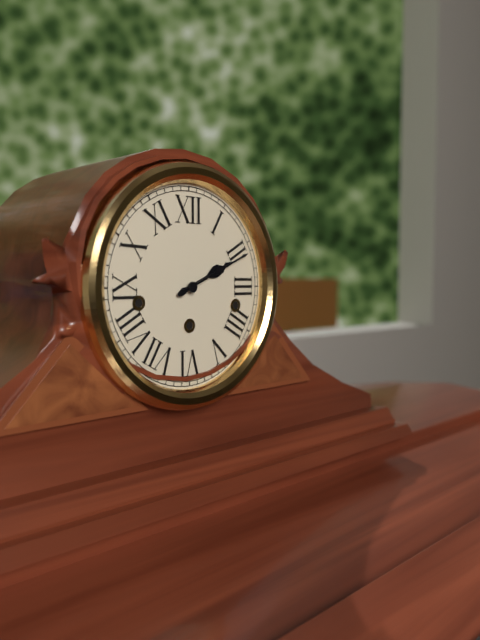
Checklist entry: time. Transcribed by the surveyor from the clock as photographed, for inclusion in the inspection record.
2:11
